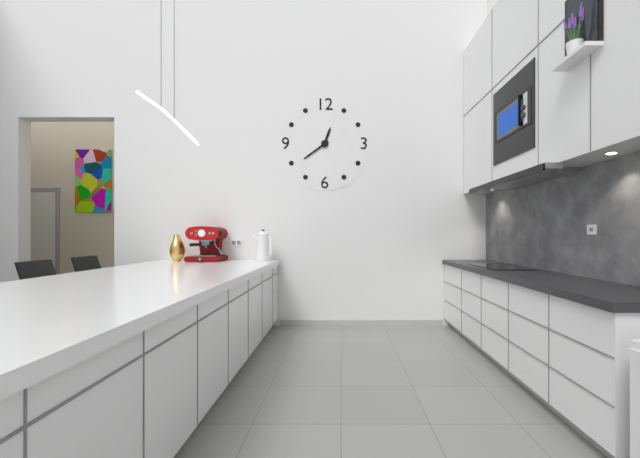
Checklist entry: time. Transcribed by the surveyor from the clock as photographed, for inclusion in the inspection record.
12:39
